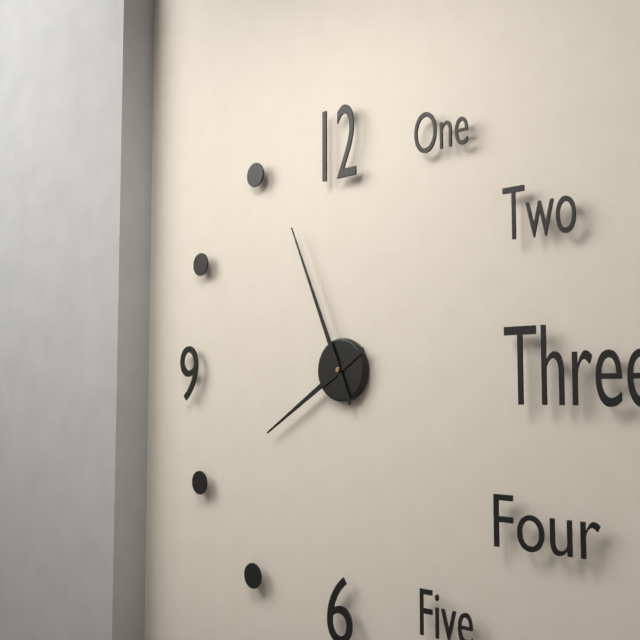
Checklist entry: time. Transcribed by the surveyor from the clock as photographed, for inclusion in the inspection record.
7:56
